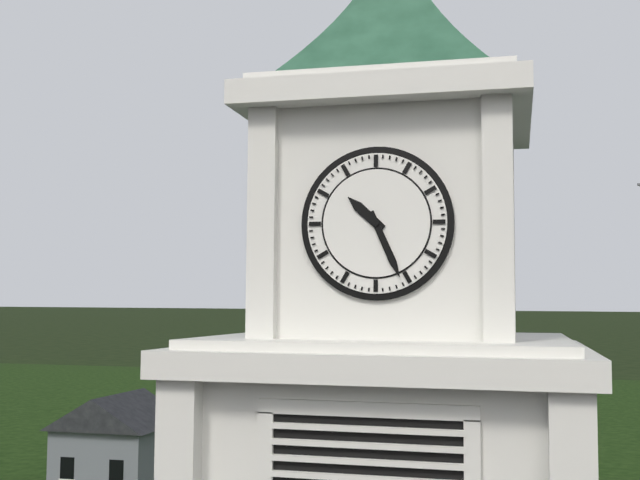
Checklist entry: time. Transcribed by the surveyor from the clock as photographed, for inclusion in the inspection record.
10:26
